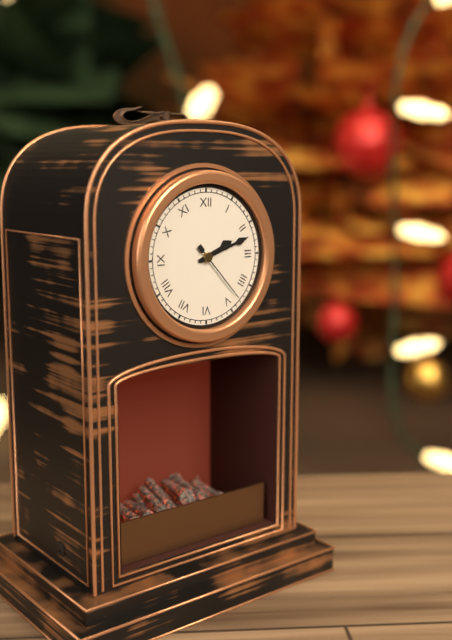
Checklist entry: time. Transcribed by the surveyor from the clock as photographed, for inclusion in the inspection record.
2:12:23
